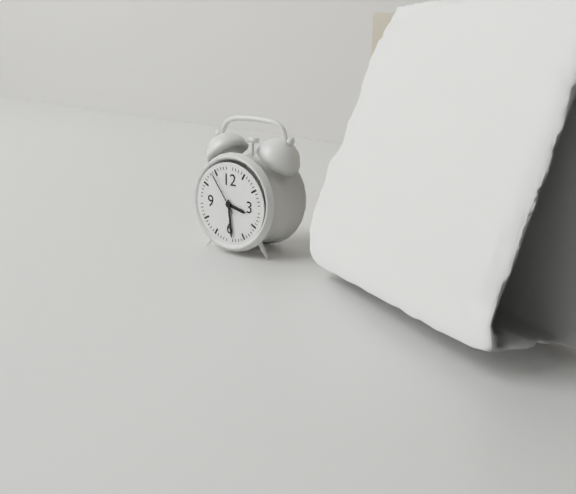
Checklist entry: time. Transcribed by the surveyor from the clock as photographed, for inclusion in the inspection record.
3:29
